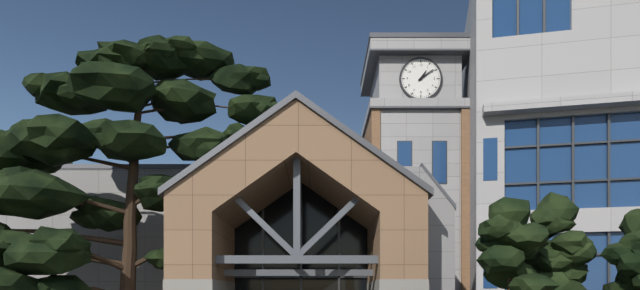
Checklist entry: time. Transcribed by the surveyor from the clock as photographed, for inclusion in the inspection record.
1:09
